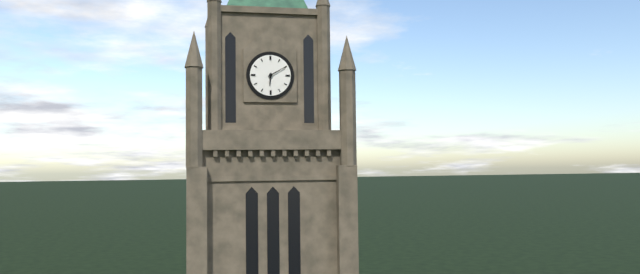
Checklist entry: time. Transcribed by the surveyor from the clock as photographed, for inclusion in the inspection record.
6:10
